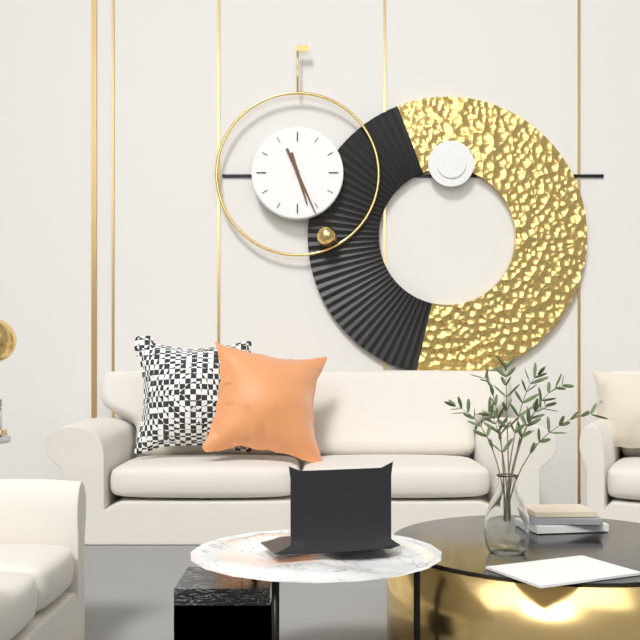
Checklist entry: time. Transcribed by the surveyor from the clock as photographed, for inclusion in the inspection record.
5:26
